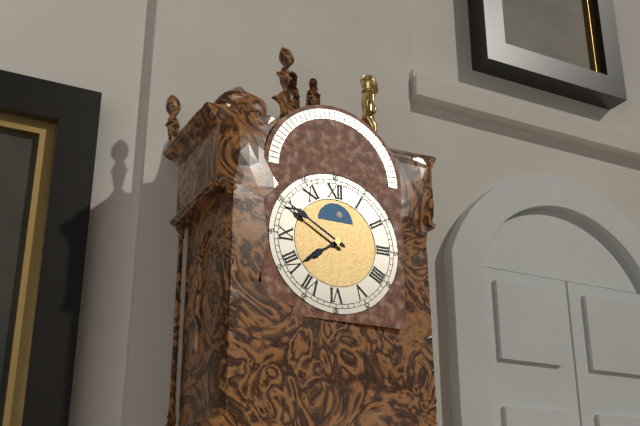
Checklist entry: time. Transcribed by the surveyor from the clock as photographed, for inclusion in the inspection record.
7:50
